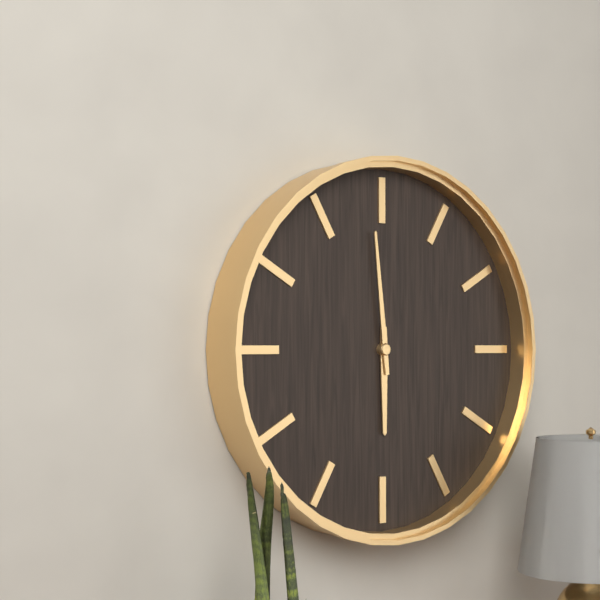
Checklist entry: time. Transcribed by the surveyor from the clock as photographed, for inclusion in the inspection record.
5:59
